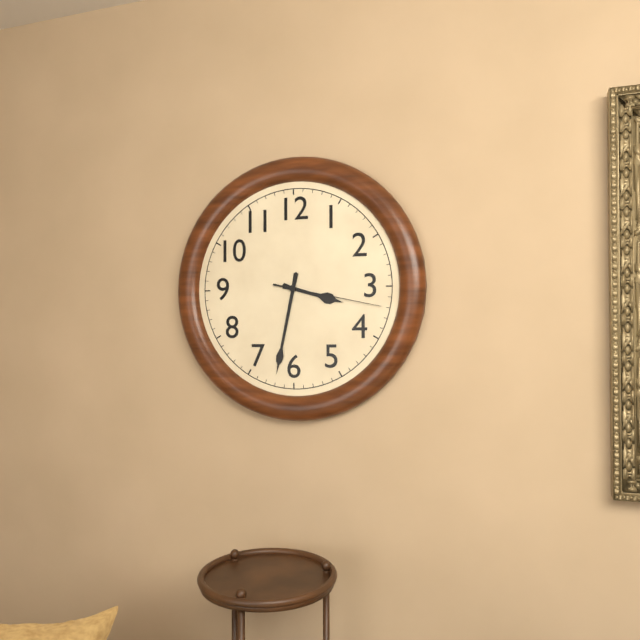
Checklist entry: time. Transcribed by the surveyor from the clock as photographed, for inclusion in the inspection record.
3:32:17
